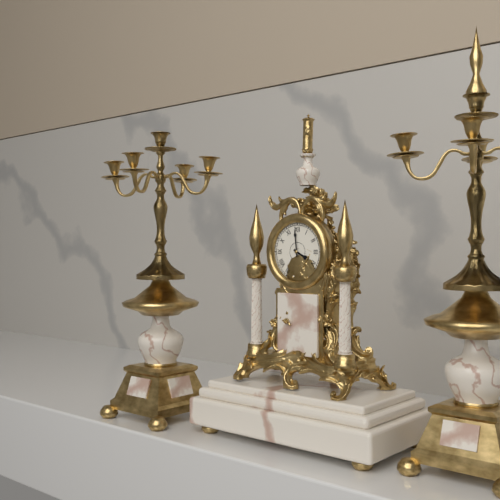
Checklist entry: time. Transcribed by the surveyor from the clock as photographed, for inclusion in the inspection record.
3:59
